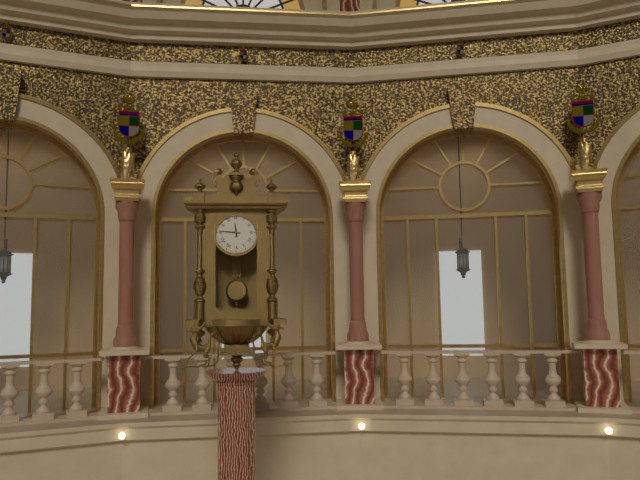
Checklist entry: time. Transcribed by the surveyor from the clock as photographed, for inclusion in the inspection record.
11:46
